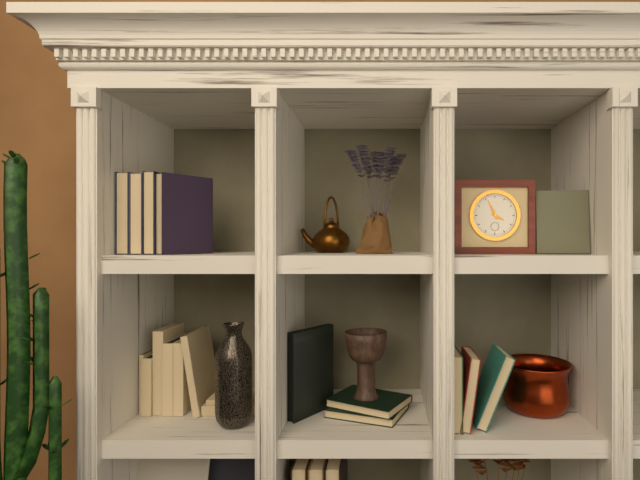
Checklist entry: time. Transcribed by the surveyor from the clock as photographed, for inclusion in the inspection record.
3:56
